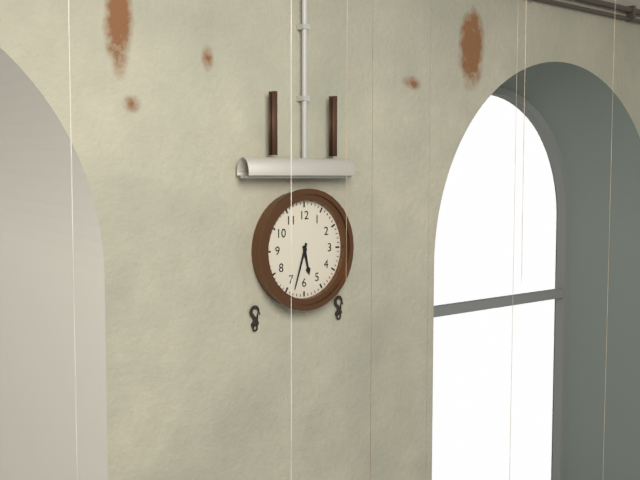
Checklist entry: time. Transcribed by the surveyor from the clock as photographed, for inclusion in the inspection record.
5:33
